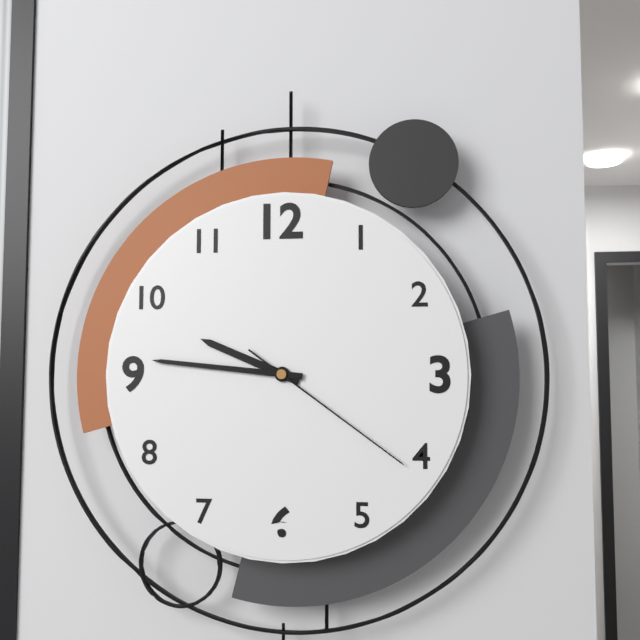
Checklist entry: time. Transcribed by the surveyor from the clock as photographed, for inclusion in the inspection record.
9:46:21
